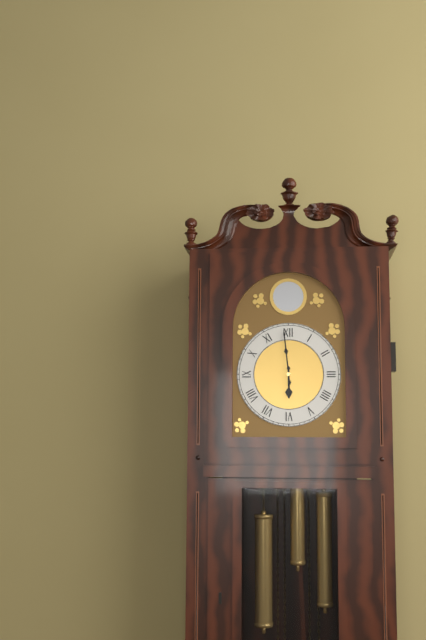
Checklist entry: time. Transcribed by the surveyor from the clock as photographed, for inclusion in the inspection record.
5:59
